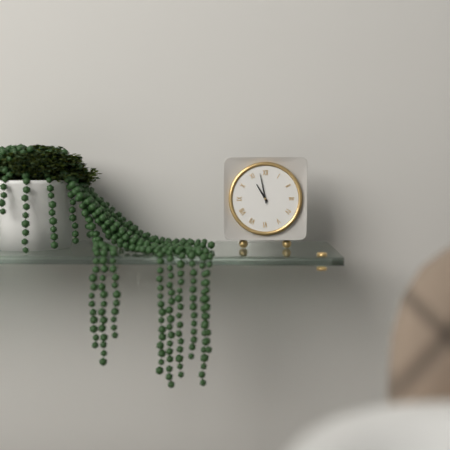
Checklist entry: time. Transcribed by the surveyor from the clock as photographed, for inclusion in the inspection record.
10:58
